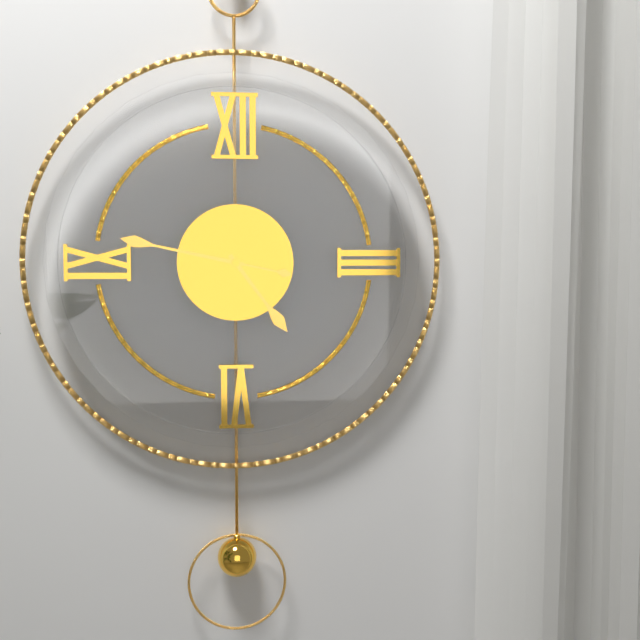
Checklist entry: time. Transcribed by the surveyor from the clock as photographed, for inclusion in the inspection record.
4:47
